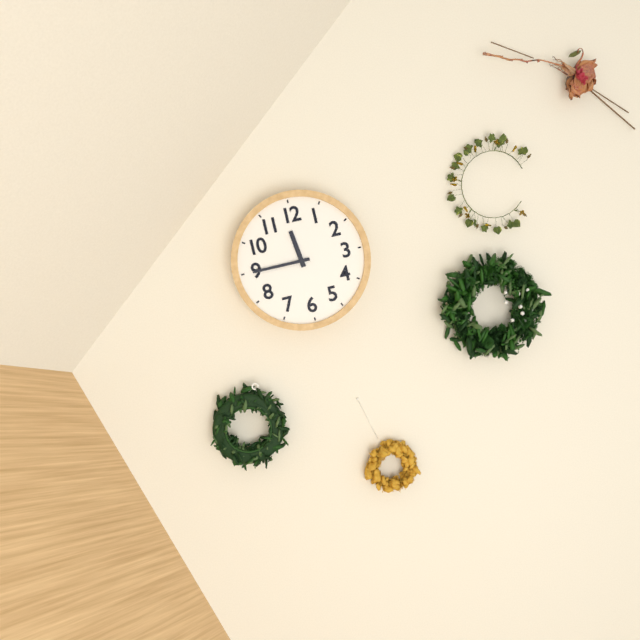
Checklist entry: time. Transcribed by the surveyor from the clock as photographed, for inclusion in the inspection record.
11:45
